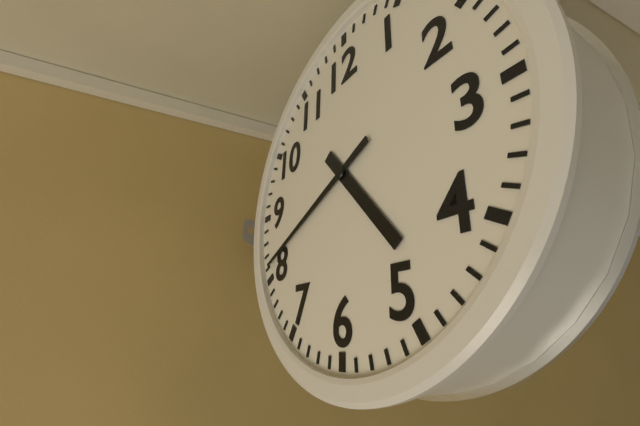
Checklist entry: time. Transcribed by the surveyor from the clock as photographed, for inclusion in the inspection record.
4:41
